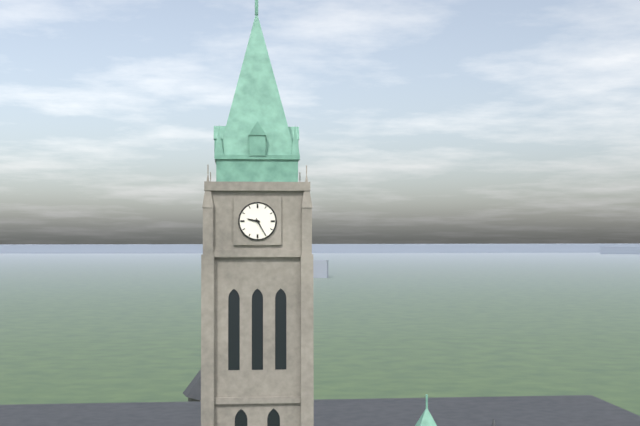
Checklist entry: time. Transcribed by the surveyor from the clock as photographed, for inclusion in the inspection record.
9:25
